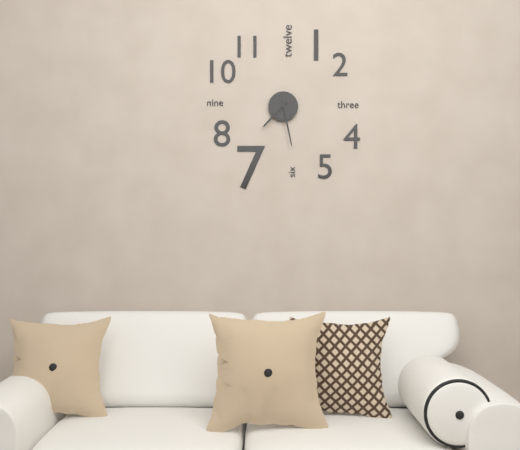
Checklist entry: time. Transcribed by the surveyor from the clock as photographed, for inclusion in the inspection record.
7:28
